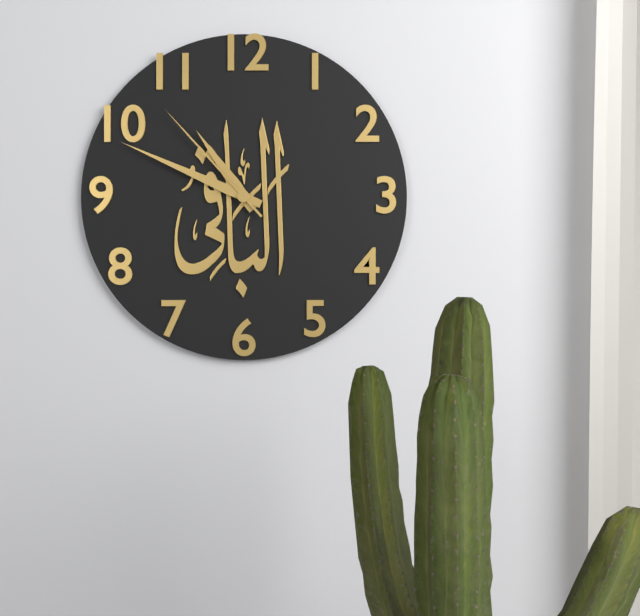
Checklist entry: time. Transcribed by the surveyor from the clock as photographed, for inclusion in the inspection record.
10:49:53
